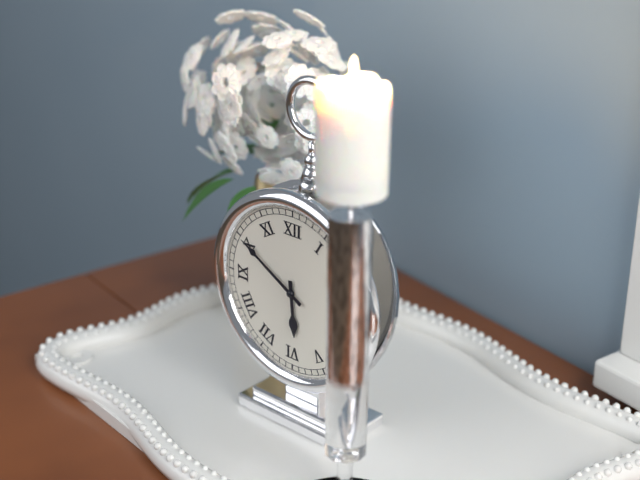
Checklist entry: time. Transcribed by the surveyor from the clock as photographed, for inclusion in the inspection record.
5:50
